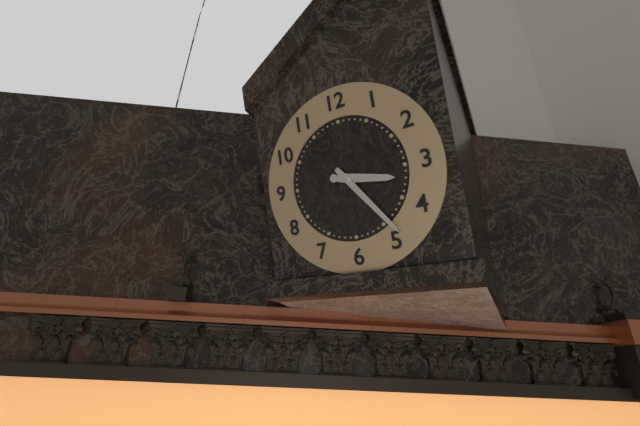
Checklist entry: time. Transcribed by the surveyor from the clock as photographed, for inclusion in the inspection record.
3:24
